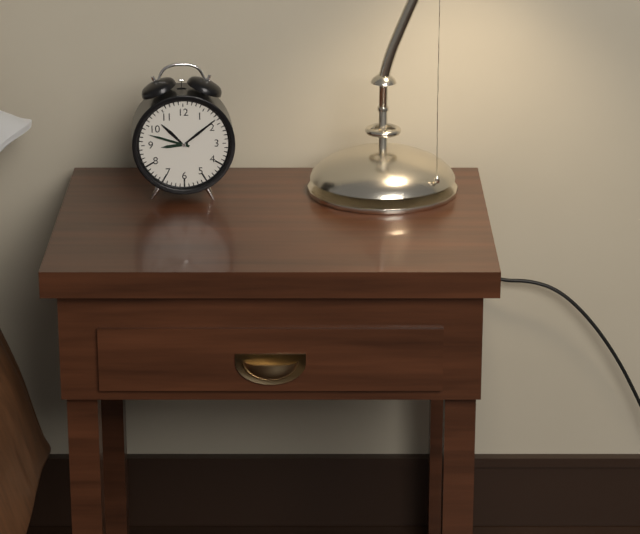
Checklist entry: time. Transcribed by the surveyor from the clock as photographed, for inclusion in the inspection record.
8:48
